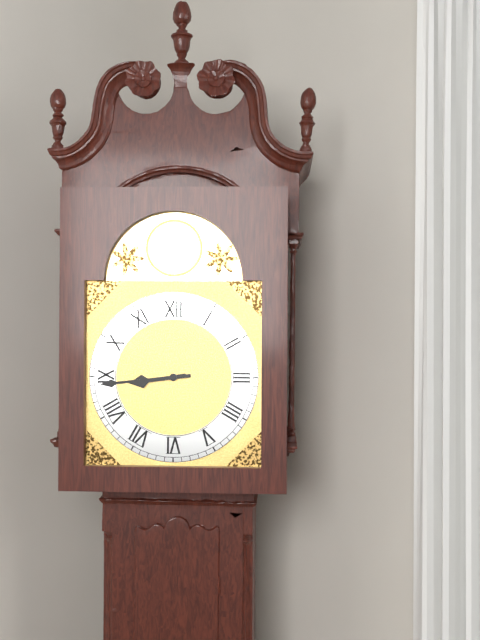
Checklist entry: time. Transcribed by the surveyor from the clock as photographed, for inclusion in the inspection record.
8:44
